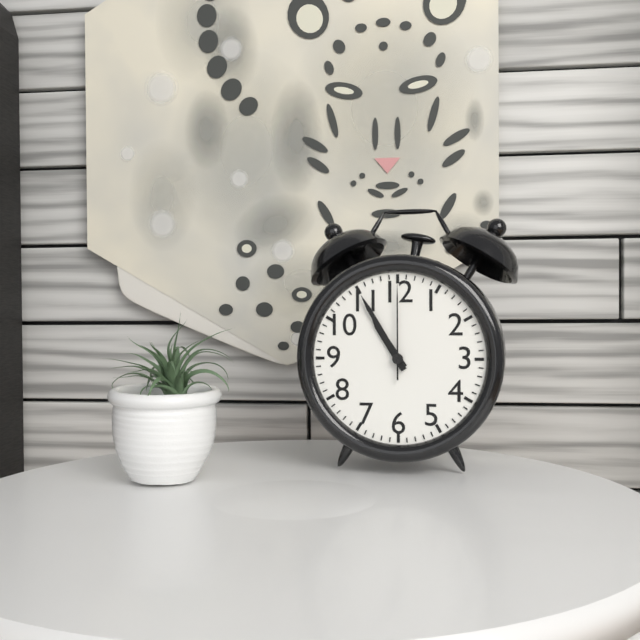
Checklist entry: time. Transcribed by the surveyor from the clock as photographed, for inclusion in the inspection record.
10:55:00
